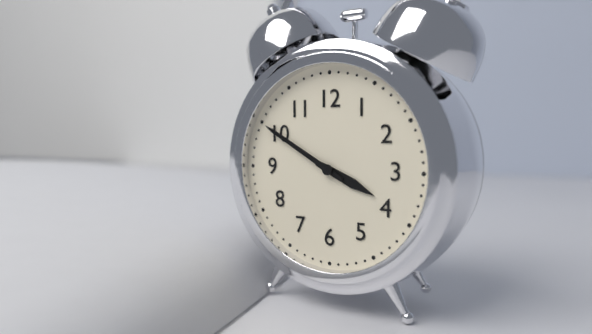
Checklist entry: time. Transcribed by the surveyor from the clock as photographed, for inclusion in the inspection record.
3:50
